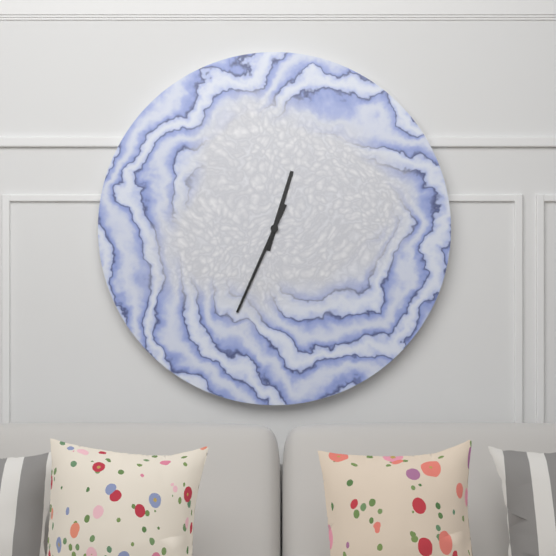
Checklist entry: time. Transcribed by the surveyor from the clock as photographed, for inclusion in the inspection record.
12:34
